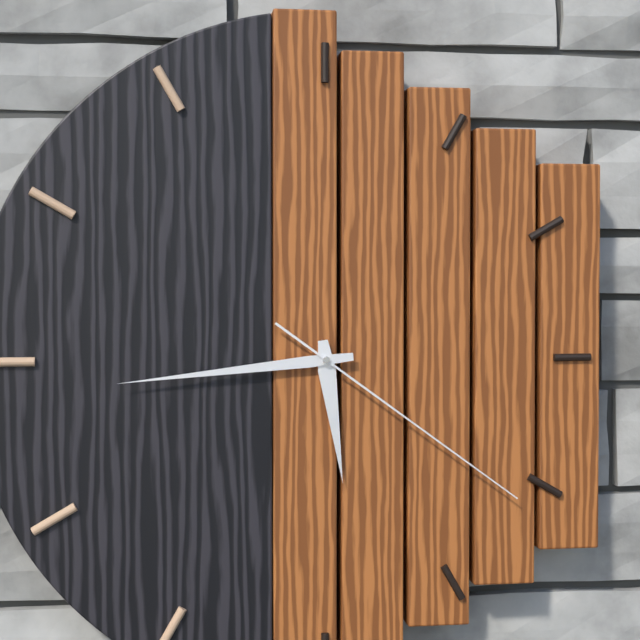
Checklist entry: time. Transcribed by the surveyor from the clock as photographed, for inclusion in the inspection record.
5:44:21
